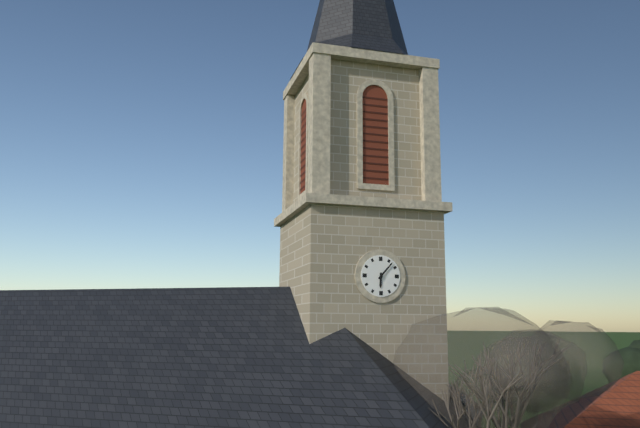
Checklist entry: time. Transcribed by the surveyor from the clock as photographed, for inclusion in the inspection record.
6:07
